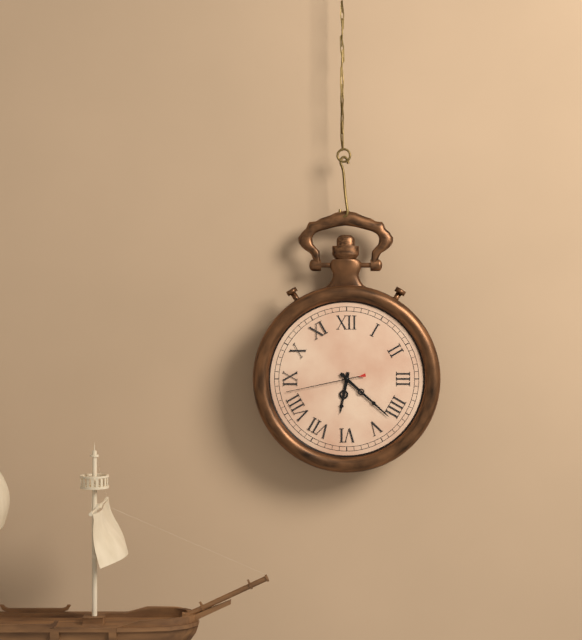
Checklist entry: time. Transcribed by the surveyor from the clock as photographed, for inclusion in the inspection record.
6:22:43
